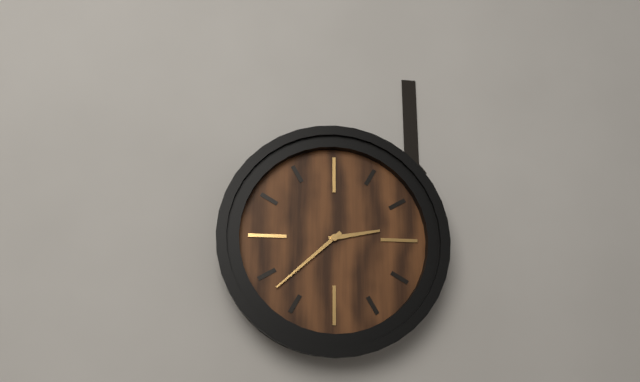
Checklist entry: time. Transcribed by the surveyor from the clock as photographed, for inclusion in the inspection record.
2:38
